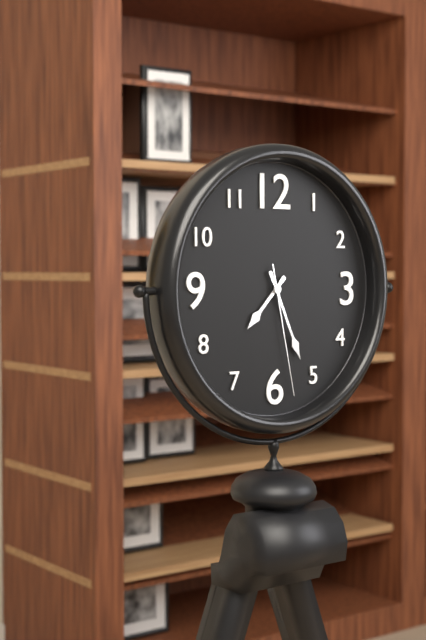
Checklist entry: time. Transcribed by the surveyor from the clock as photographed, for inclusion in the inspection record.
7:26:28
